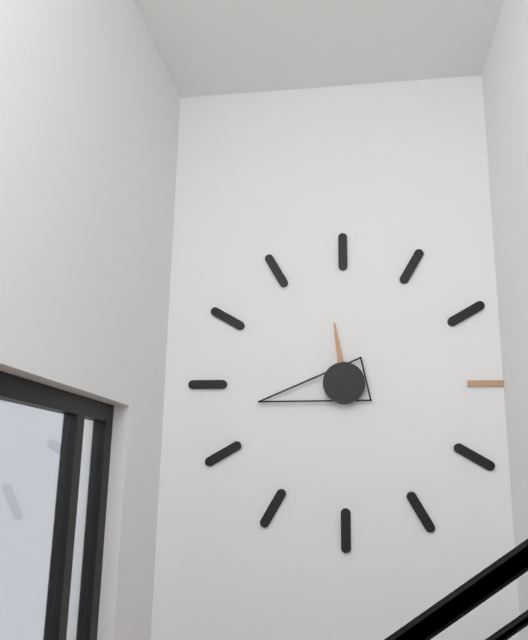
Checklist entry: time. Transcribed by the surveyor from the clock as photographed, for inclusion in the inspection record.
11:43
